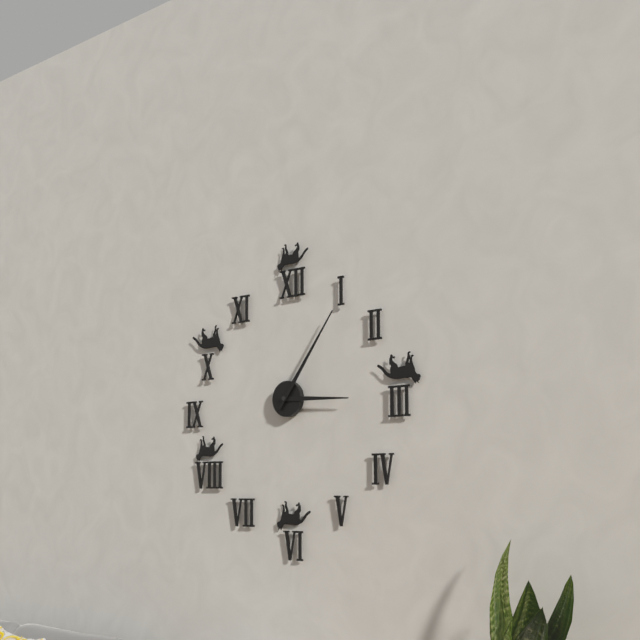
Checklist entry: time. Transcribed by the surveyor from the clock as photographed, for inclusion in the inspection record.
3:06
